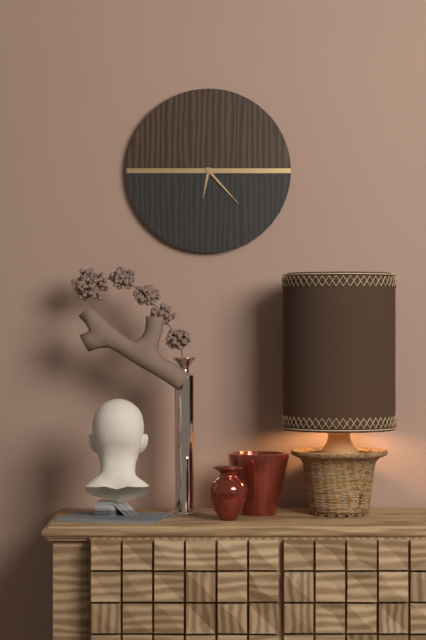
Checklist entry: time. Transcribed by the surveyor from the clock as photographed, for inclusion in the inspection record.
6:23
